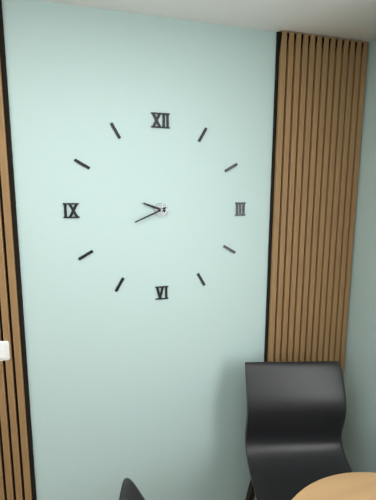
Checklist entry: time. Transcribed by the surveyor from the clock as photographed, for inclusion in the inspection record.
9:41
